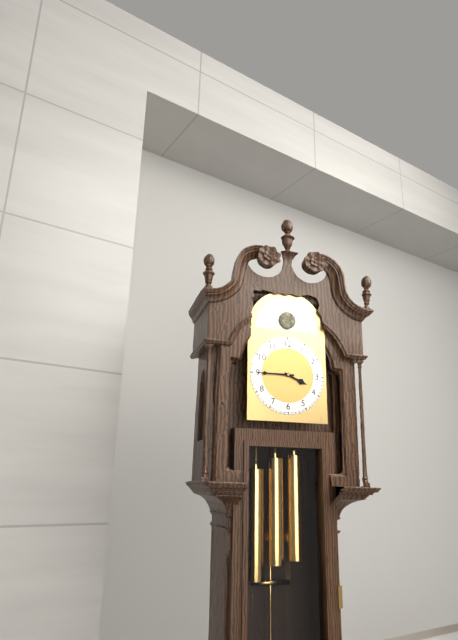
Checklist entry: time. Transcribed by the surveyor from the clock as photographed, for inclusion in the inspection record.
3:45
